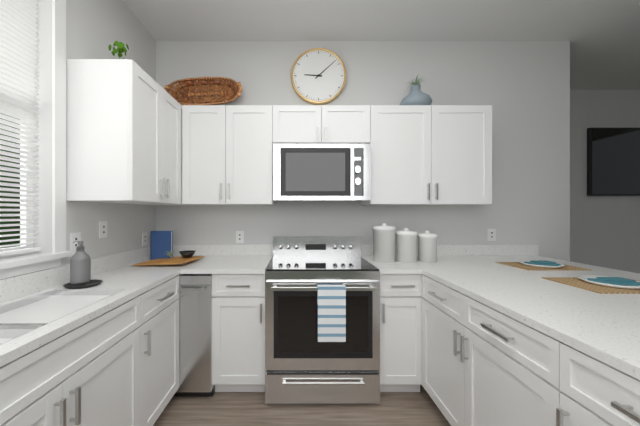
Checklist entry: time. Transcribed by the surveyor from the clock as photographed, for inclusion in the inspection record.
9:08
